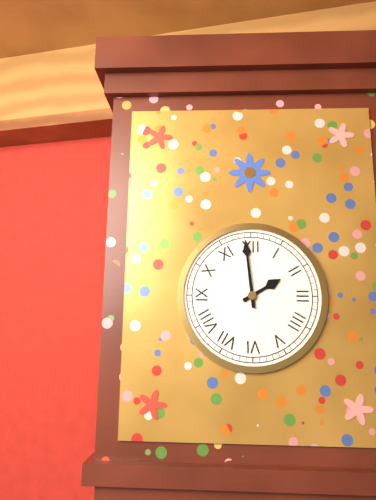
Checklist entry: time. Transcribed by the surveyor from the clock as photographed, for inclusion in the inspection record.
1:59
